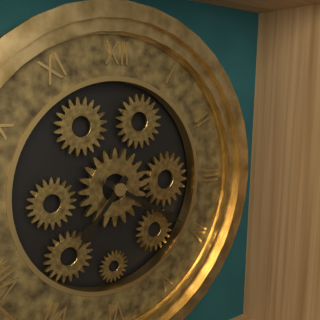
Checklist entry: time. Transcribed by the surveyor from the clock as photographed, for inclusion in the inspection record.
7:20
